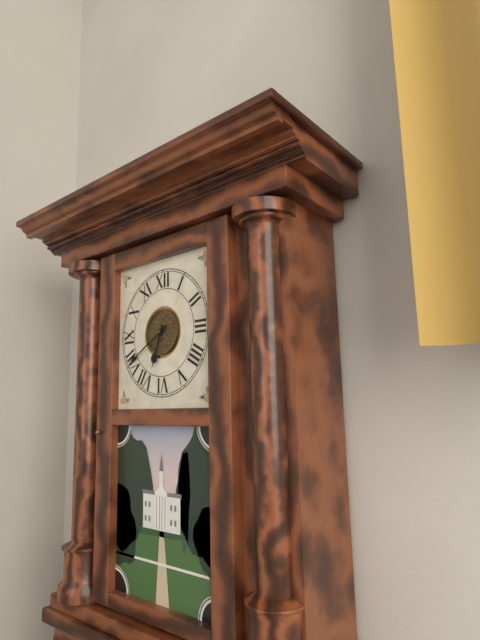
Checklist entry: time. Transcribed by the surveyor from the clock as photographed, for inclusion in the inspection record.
6:40
